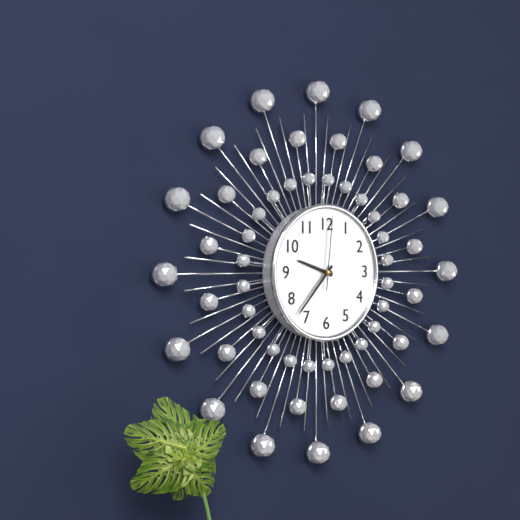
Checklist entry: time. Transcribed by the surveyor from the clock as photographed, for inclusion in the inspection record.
9:37:01
